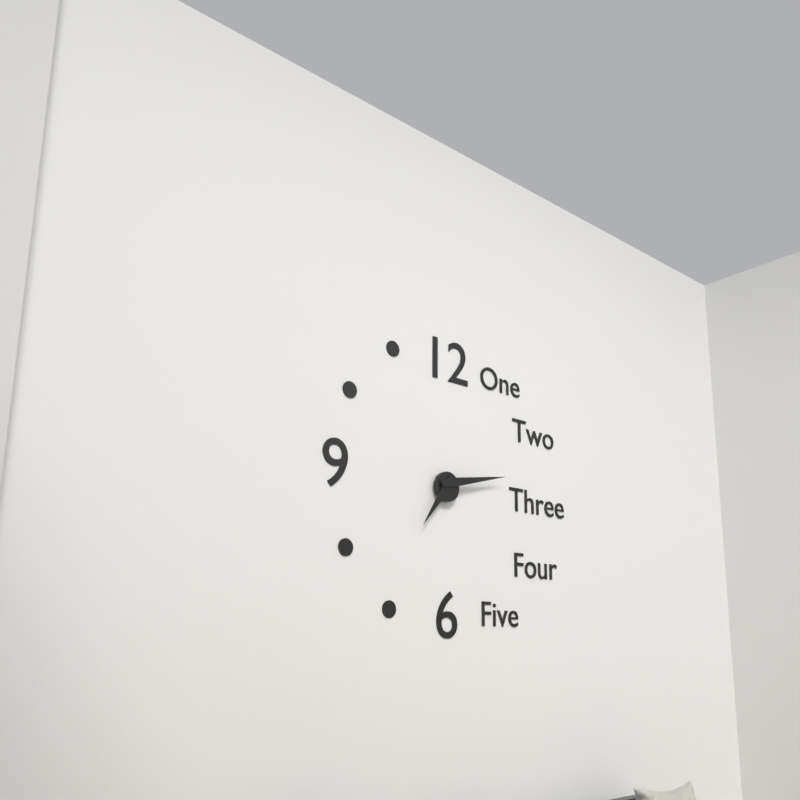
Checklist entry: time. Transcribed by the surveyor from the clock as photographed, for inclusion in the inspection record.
7:13
